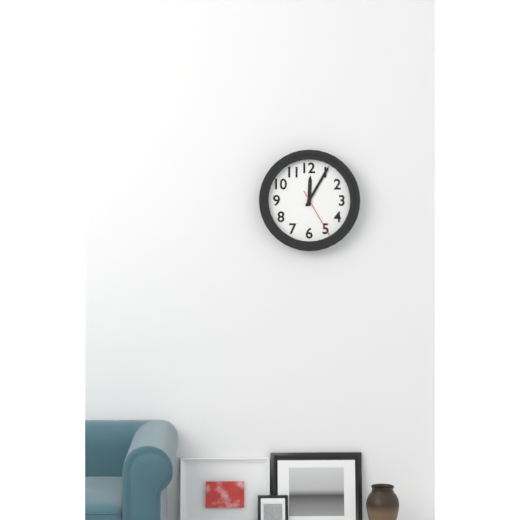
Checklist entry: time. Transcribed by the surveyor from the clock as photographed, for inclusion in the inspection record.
12:05:25
